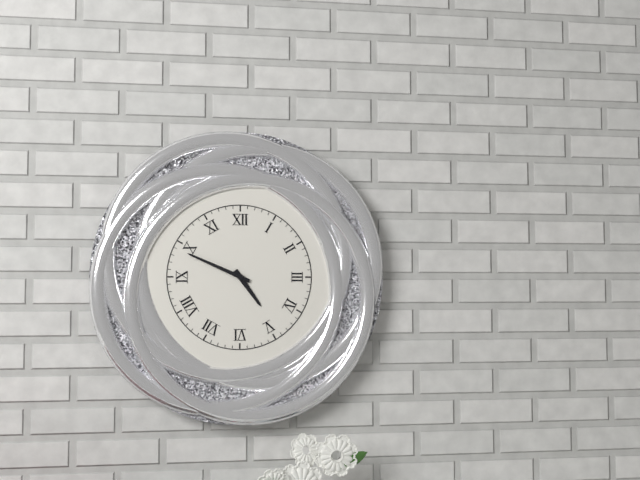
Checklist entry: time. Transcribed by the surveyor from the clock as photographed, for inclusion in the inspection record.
4:49
